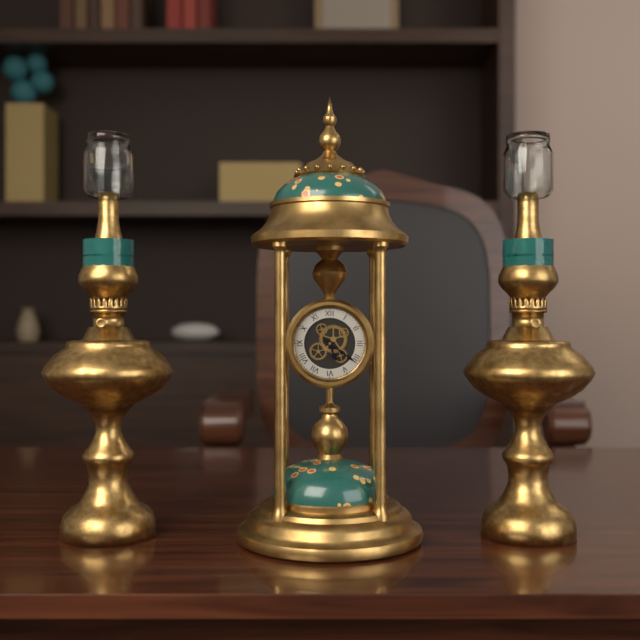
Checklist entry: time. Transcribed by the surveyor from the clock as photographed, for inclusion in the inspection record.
5:21
